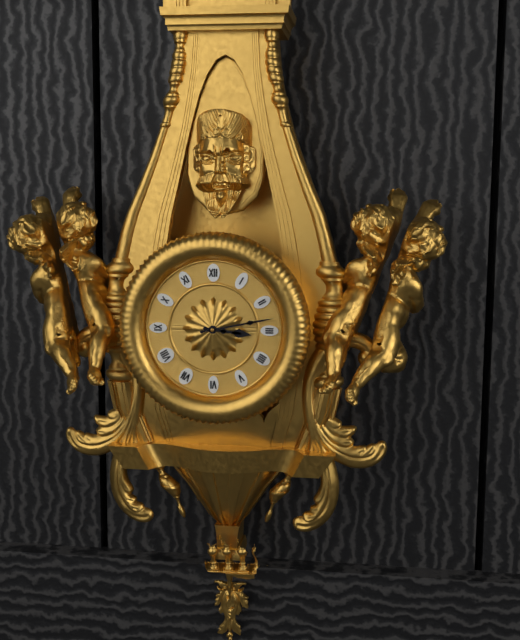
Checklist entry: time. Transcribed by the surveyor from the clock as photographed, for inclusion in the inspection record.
3:13
